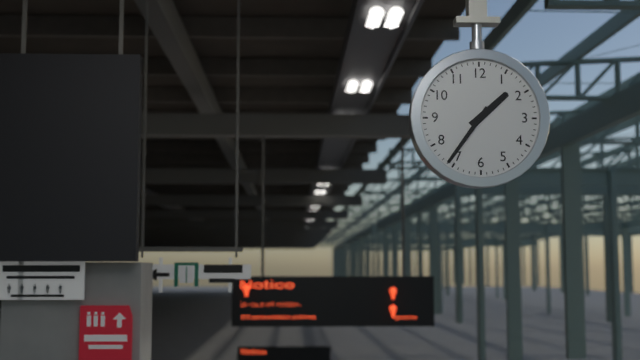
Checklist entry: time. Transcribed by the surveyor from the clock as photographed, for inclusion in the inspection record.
1:36
